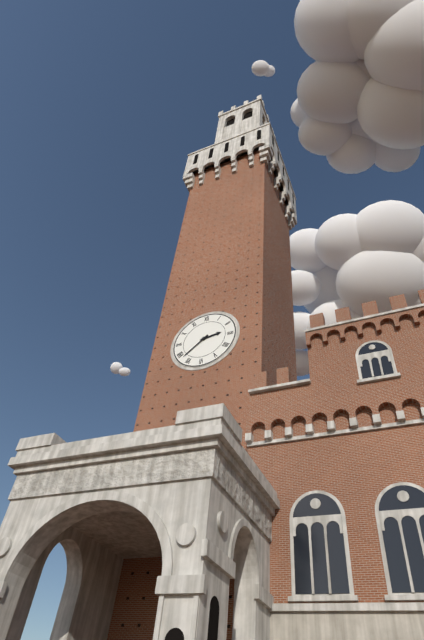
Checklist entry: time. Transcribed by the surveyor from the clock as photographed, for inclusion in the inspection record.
2:38
